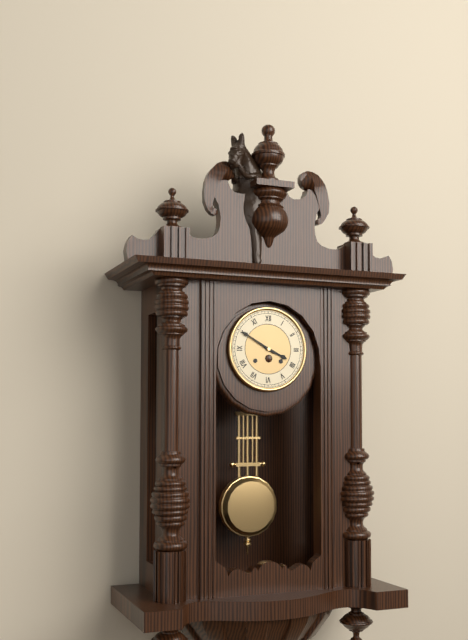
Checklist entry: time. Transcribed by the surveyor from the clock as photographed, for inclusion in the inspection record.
3:50
